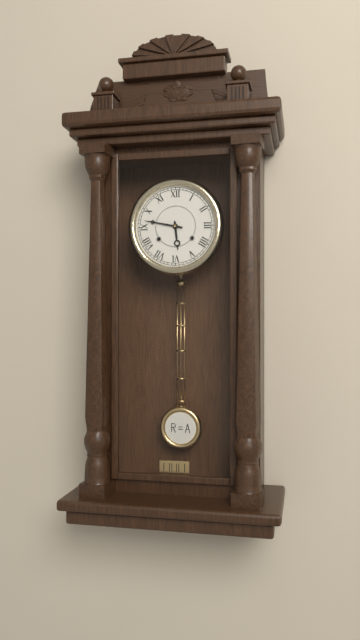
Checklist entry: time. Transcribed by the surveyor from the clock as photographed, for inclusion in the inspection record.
5:47
